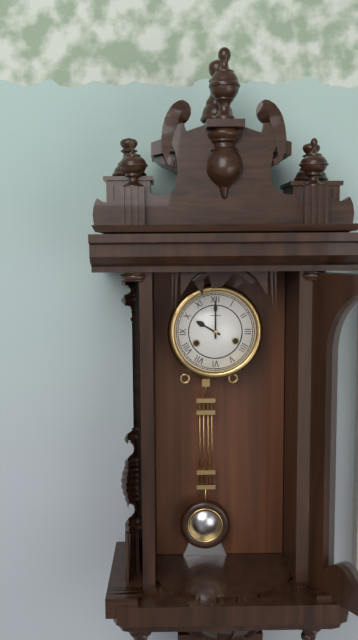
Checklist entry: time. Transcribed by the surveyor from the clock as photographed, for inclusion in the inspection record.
10:00
